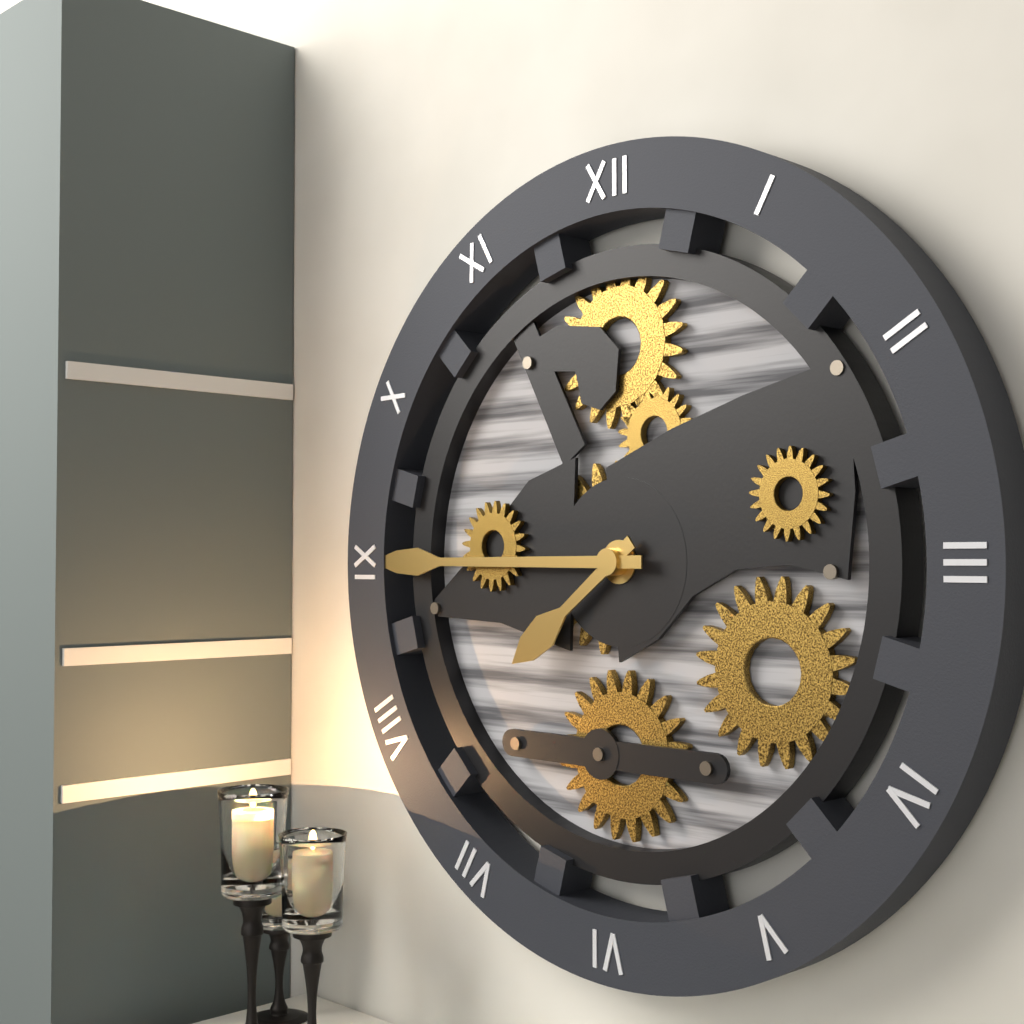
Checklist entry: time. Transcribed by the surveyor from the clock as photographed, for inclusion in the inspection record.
7:45
